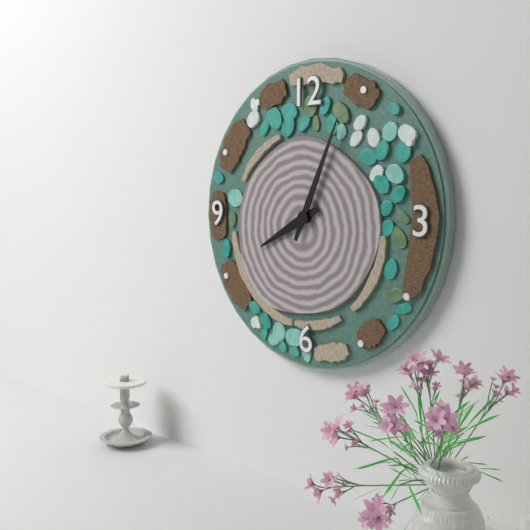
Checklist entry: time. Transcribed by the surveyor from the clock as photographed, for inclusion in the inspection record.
8:04
